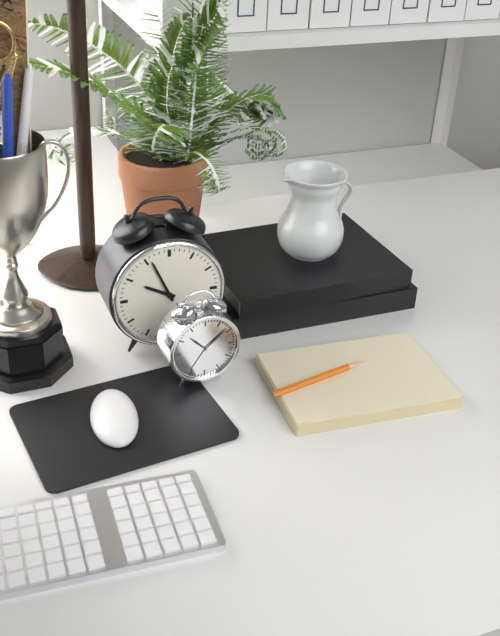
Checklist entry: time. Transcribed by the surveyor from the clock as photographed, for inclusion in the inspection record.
9:56
